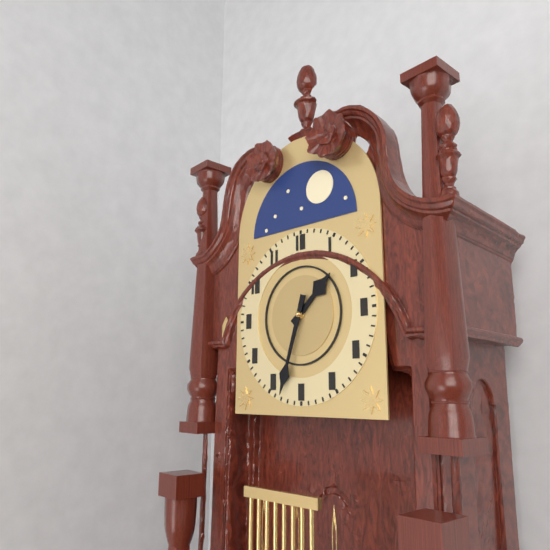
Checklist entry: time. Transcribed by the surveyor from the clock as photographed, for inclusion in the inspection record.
1:33
